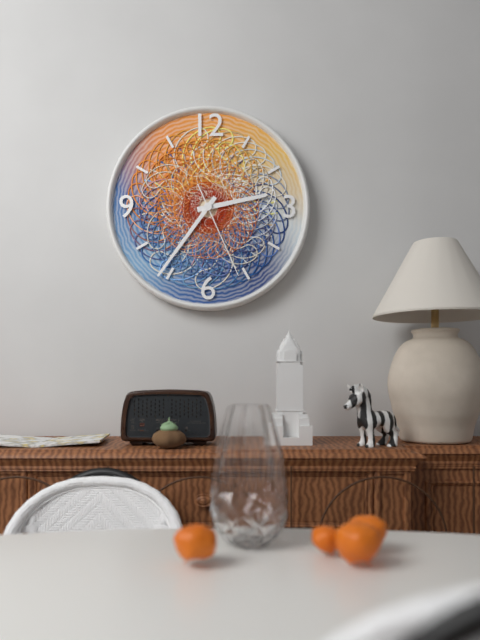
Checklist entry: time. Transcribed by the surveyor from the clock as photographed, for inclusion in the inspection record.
2:36:26
